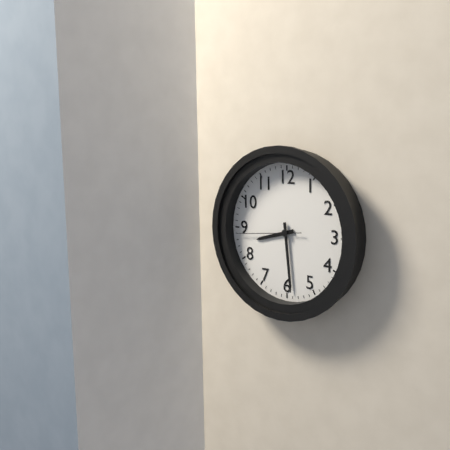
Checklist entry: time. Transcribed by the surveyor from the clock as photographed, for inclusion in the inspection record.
8:29:44
